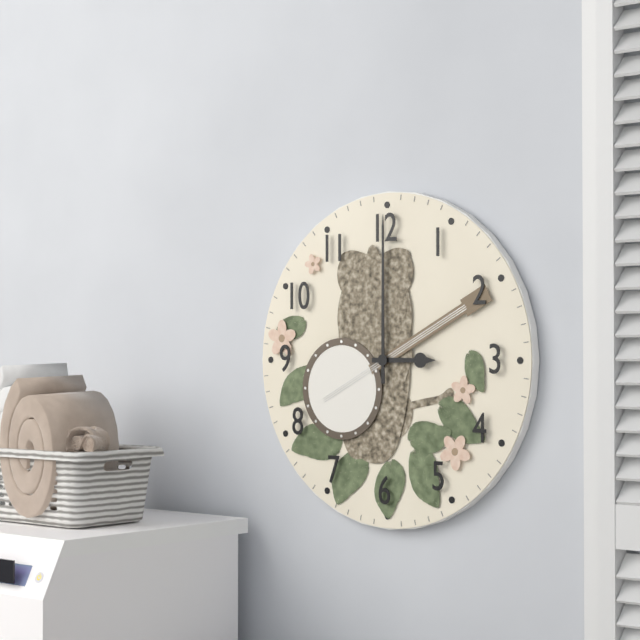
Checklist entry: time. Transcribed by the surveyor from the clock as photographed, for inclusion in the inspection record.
3:00
